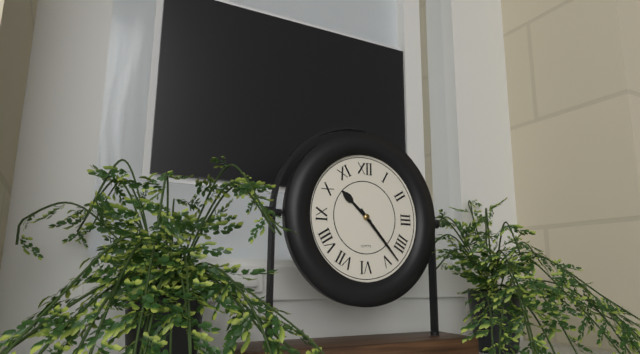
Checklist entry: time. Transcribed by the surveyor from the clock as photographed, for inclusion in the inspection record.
10:23
